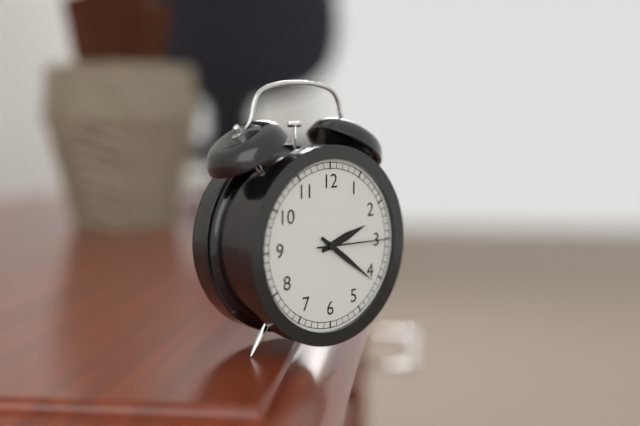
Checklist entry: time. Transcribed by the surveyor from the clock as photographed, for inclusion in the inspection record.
2:21:15
